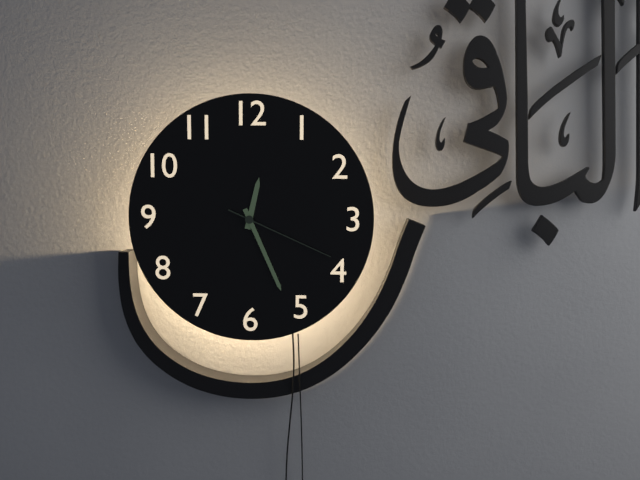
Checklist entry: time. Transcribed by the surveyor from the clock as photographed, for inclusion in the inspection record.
12:26:19
